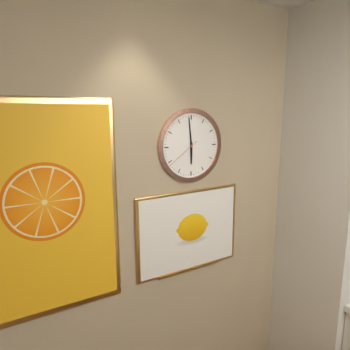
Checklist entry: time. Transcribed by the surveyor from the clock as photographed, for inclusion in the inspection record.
5:59
